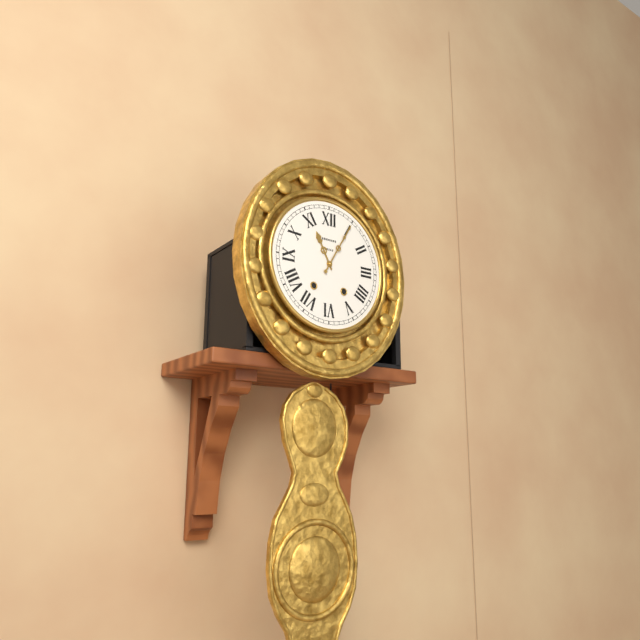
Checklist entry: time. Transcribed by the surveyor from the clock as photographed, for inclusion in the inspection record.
11:05
